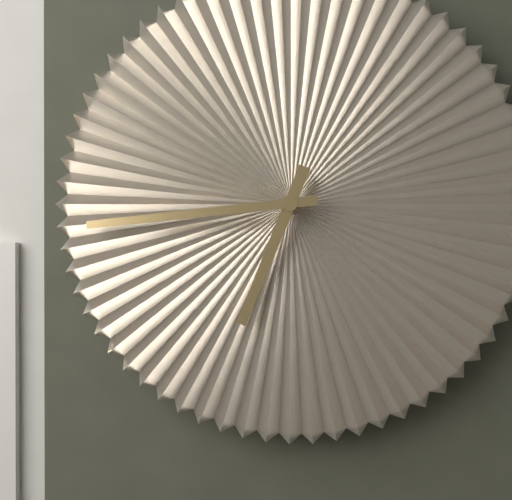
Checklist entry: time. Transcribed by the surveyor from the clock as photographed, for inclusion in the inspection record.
6:44
